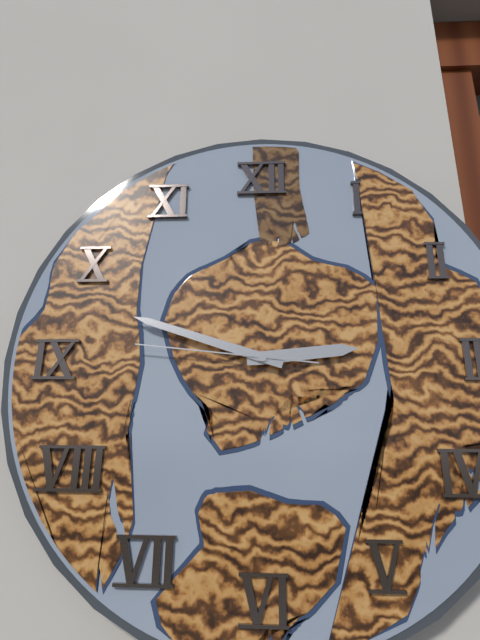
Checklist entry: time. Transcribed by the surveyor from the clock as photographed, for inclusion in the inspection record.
2:48:46
